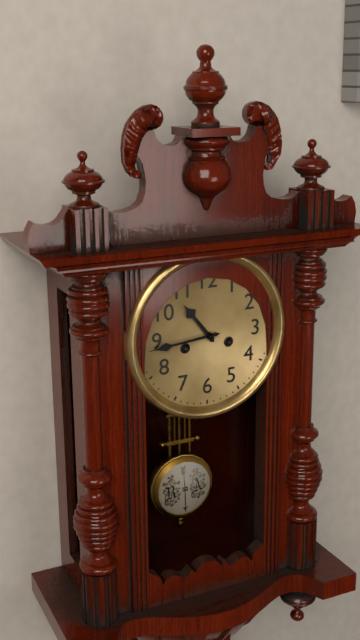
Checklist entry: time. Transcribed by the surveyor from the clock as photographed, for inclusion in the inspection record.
10:44
